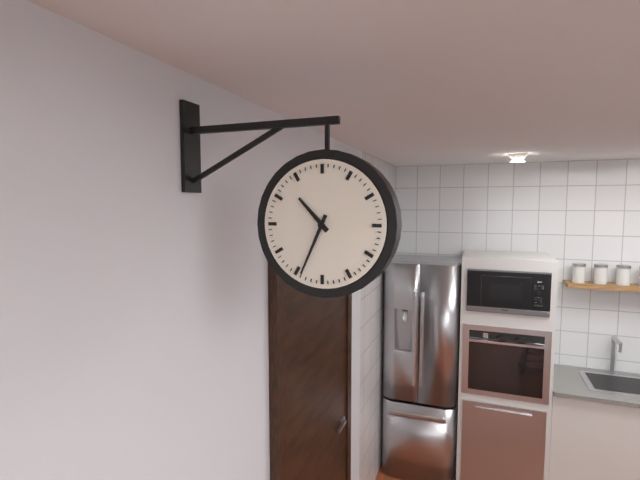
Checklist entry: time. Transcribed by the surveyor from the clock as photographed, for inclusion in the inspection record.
10:34
